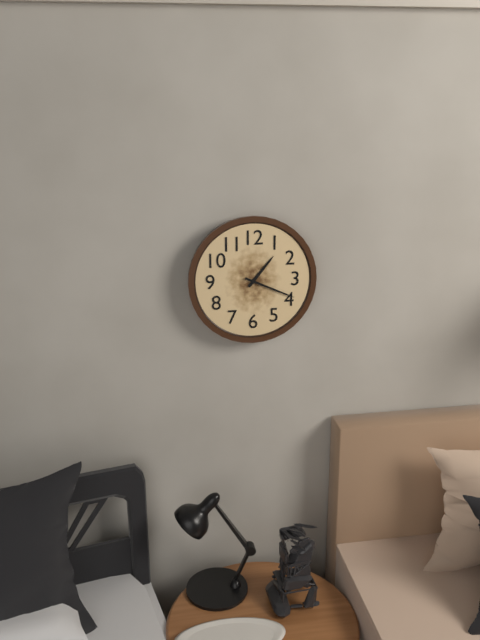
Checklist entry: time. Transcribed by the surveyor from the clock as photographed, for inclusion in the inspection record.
1:19
